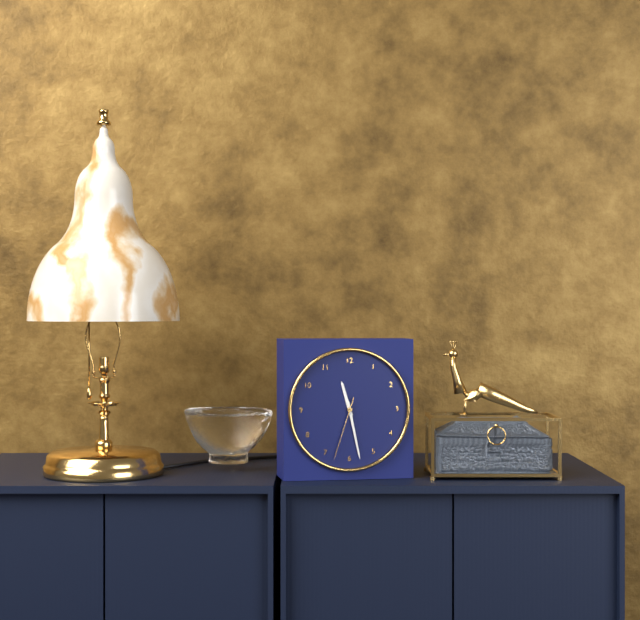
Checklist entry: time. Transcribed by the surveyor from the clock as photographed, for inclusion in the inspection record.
11:28:33
